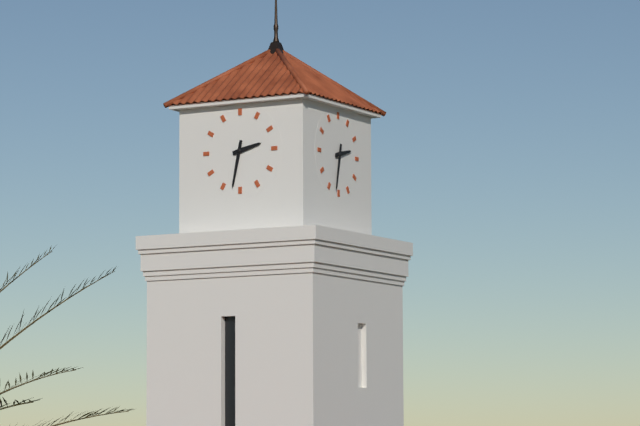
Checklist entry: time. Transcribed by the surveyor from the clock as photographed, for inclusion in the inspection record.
2:32
